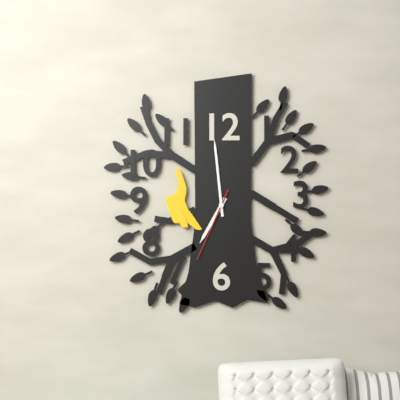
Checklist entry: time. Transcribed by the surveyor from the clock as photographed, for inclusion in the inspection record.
6:59:34
